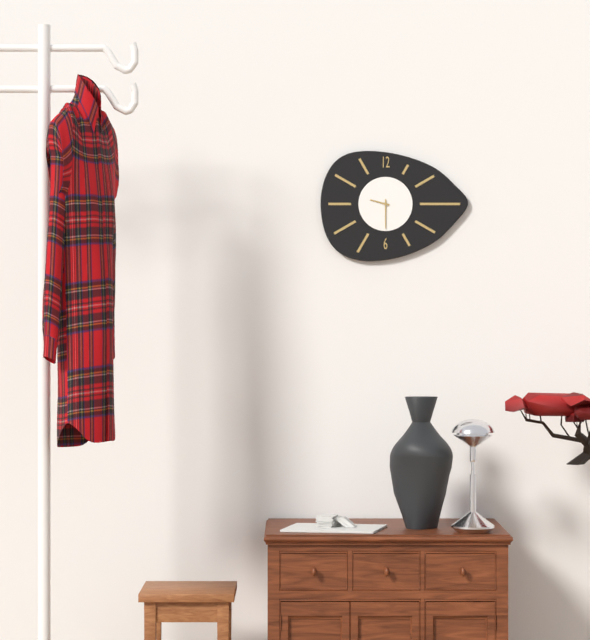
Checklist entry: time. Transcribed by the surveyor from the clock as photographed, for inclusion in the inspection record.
9:30
